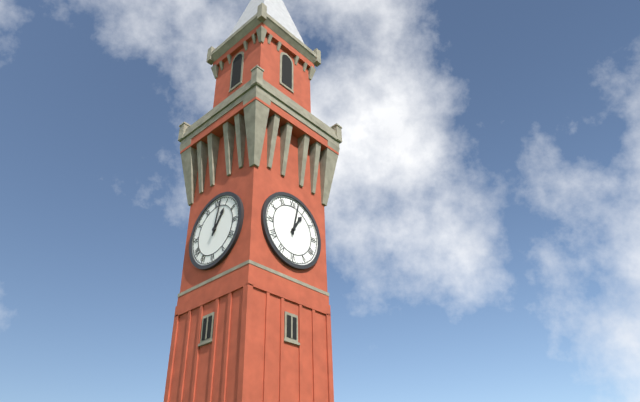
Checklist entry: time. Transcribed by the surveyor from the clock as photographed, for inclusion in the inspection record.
1:02
